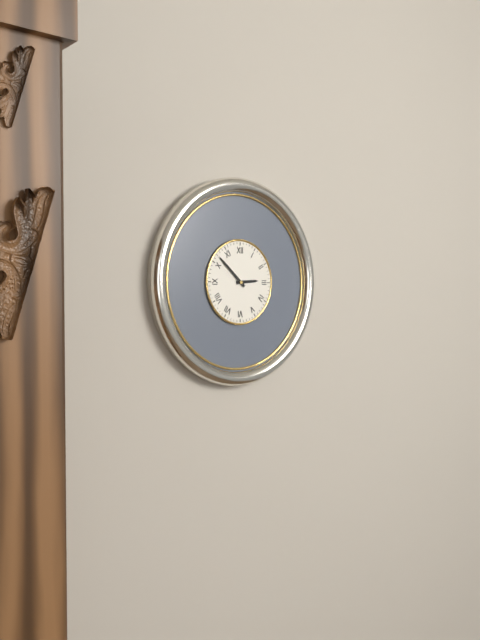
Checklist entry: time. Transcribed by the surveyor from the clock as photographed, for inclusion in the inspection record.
2:52
